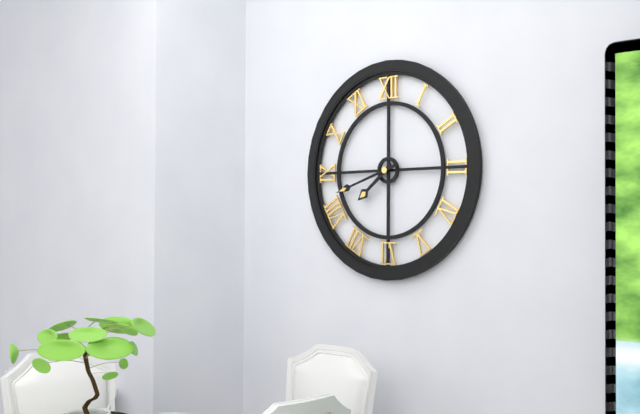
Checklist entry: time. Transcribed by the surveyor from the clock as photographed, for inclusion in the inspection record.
7:42
